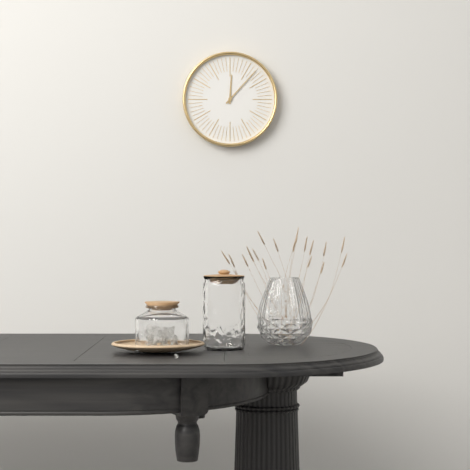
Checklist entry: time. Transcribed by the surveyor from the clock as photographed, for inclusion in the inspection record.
12:07
